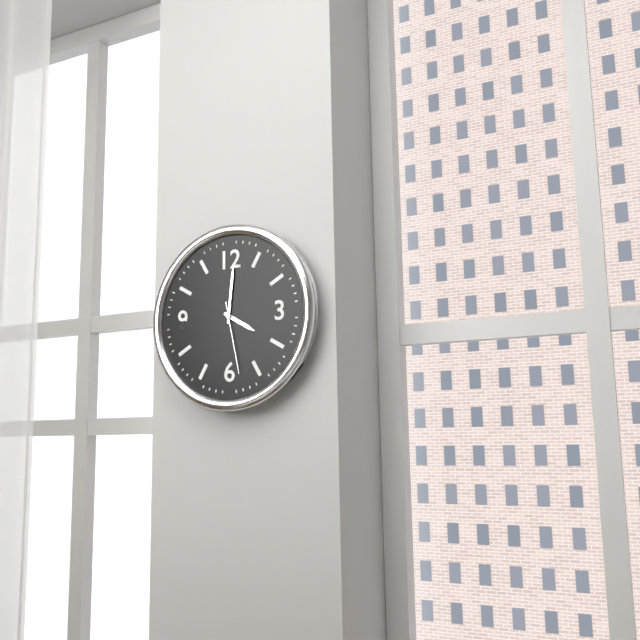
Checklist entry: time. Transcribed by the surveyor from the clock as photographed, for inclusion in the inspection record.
4:01:28
